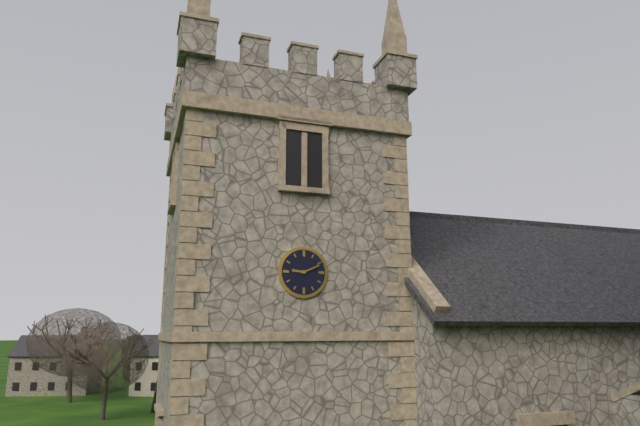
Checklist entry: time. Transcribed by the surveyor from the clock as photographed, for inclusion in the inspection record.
9:11
